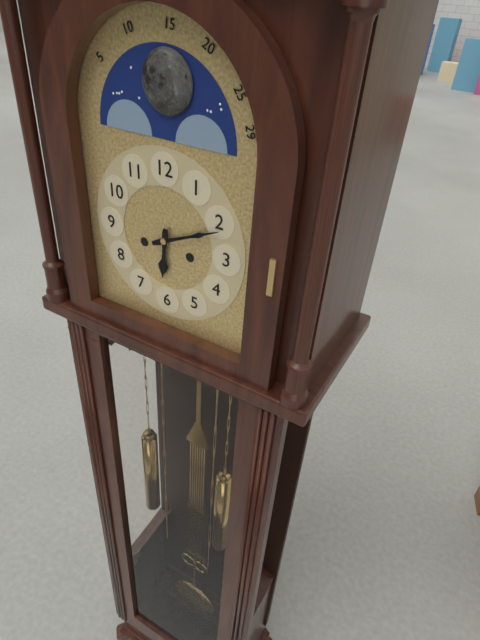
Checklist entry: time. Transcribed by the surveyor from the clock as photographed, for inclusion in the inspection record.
6:11
